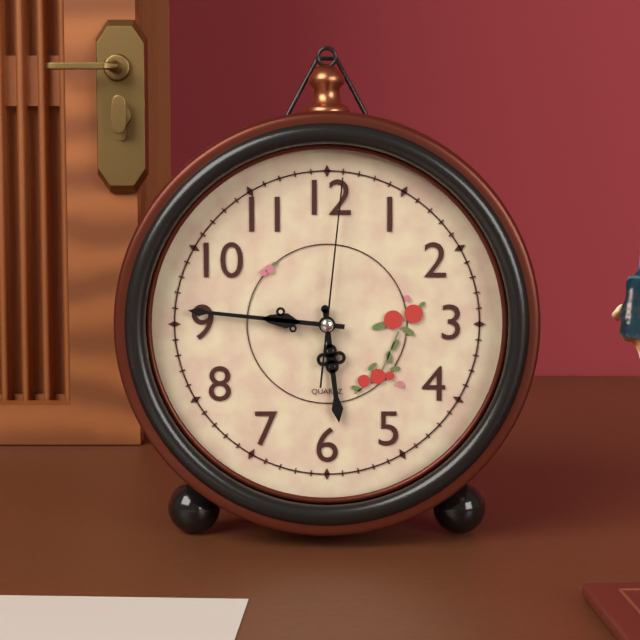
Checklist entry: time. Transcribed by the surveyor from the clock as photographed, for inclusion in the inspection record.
5:46:01
